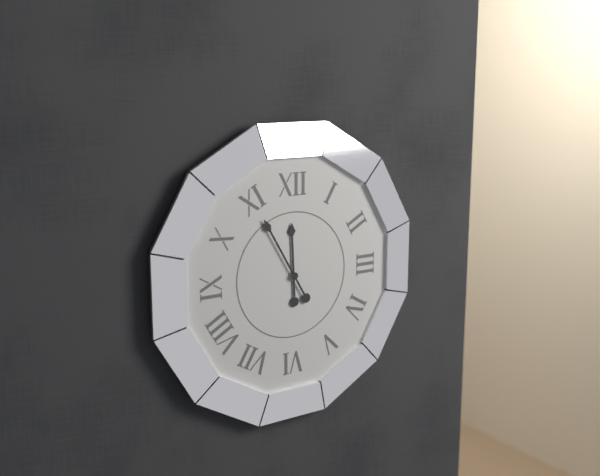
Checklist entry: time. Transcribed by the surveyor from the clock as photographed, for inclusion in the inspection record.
11:55
